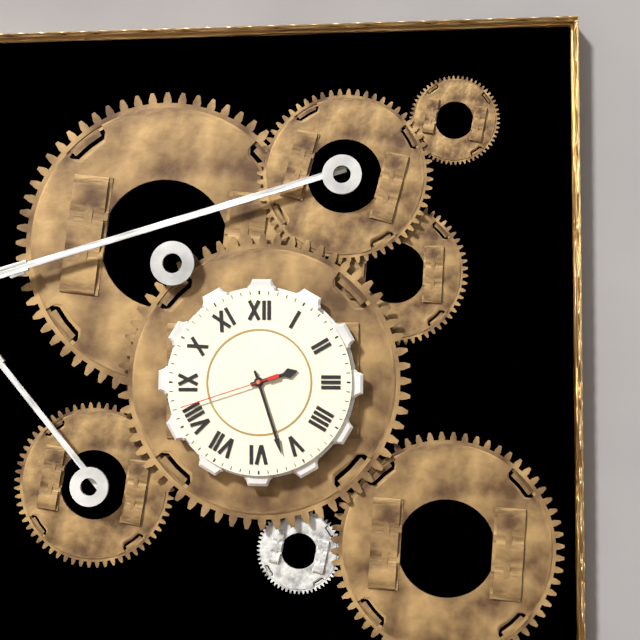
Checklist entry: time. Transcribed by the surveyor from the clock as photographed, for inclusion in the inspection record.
2:27:42
